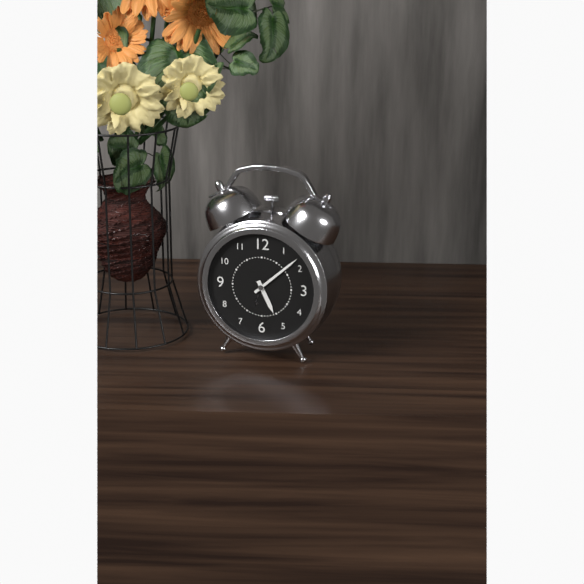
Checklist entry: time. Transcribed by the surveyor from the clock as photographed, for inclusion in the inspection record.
5:08
